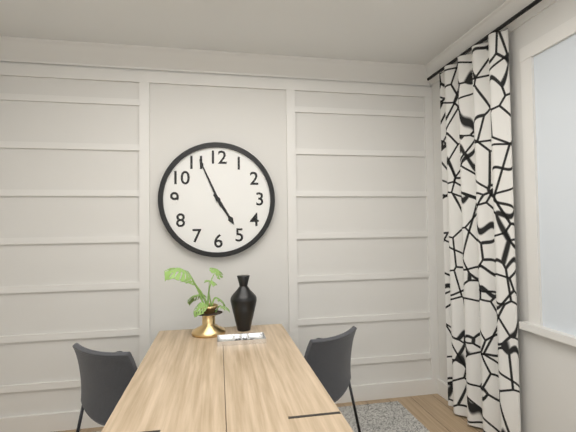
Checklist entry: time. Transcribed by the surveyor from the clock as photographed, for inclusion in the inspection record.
4:56
